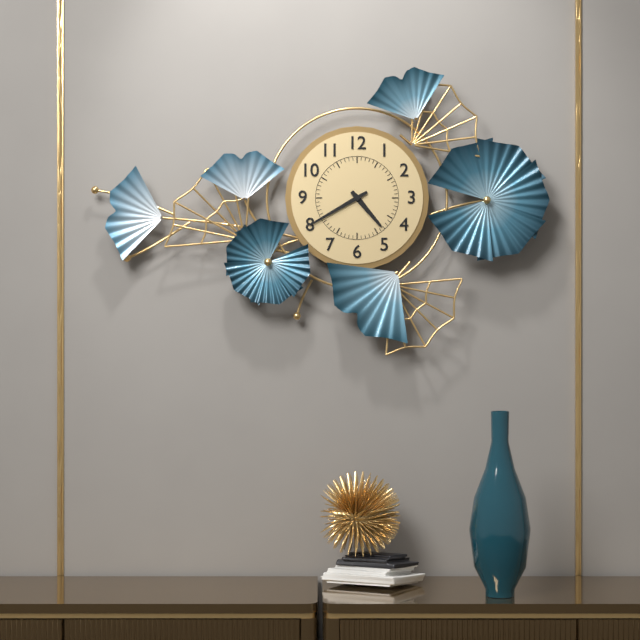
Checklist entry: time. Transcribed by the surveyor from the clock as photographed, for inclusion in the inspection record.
4:40
